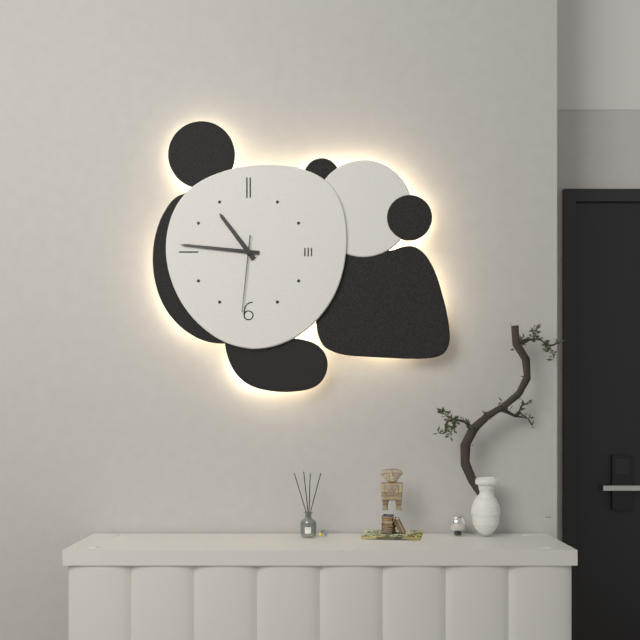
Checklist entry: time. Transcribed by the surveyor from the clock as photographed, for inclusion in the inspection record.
10:46:31
